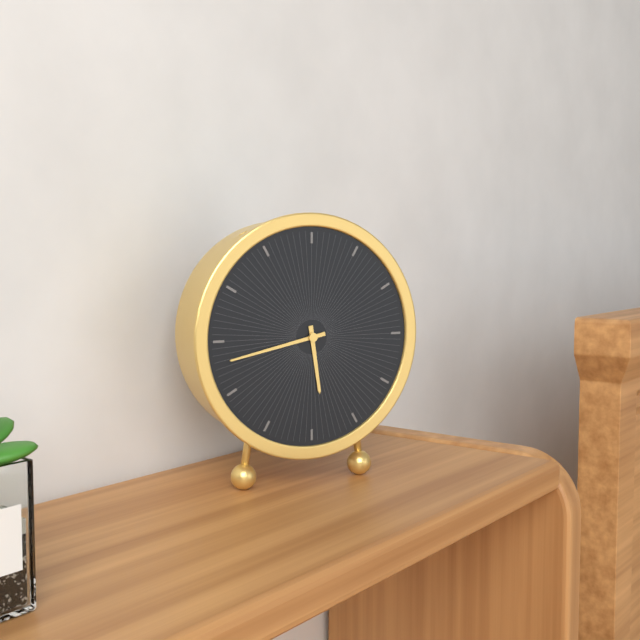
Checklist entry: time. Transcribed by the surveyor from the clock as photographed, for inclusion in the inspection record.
5:43
